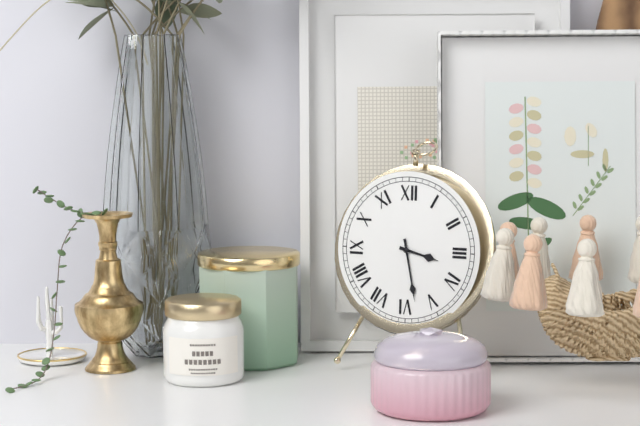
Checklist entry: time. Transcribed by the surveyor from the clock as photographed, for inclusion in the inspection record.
3:28
